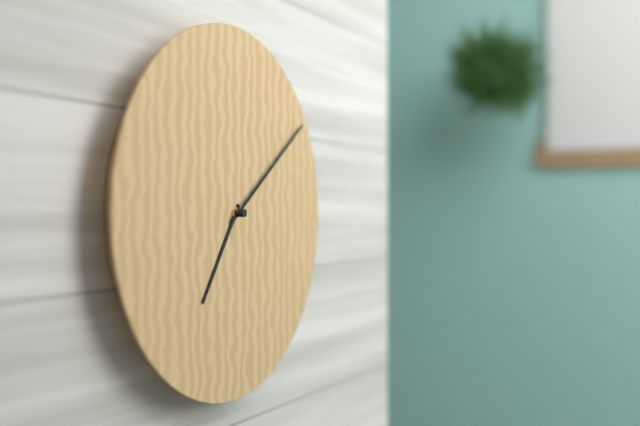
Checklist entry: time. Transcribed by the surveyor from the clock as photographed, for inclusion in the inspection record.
7:09
